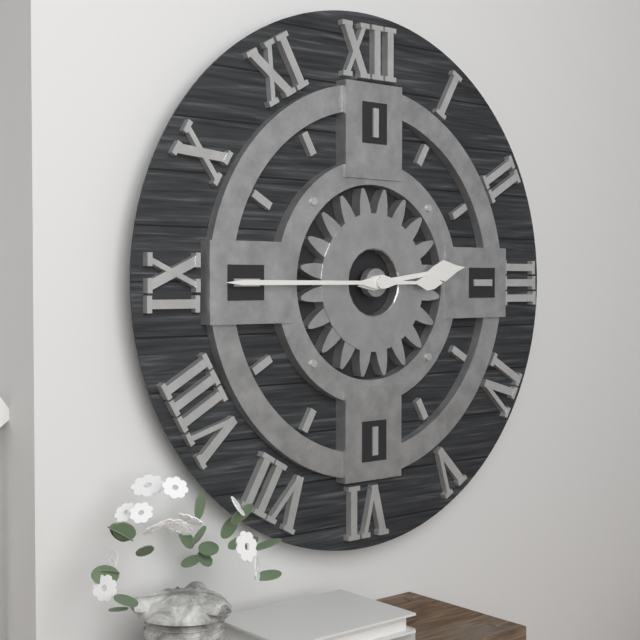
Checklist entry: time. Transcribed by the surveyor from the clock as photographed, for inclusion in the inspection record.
2:45
